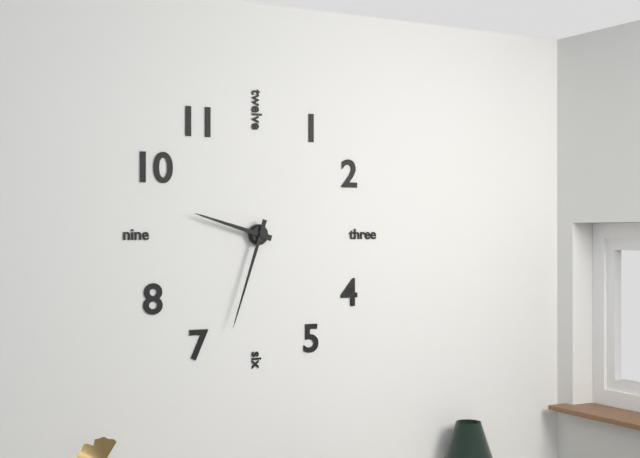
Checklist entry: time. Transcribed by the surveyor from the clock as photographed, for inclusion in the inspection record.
9:33
